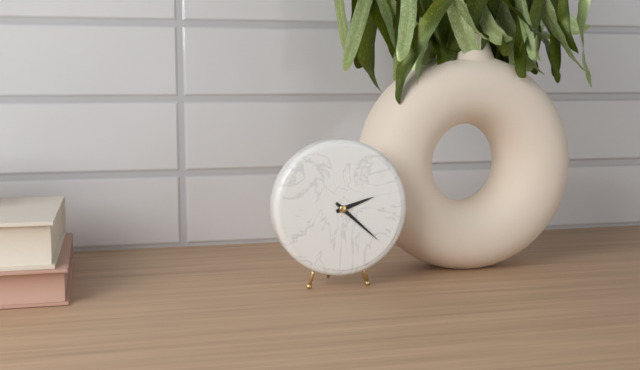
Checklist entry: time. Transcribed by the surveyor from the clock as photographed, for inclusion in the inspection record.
2:22
